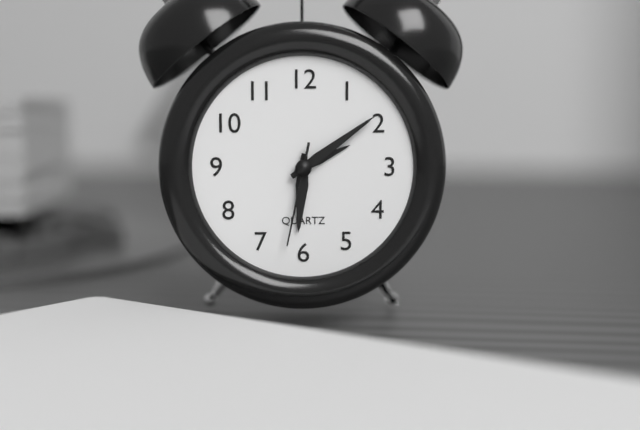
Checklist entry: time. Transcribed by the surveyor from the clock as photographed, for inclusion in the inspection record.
6:09:32
